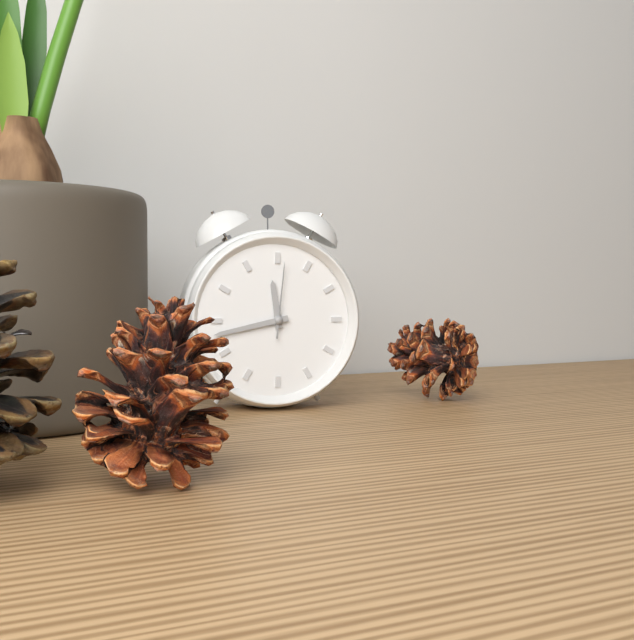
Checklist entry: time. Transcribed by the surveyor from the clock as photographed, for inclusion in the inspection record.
11:43:01
